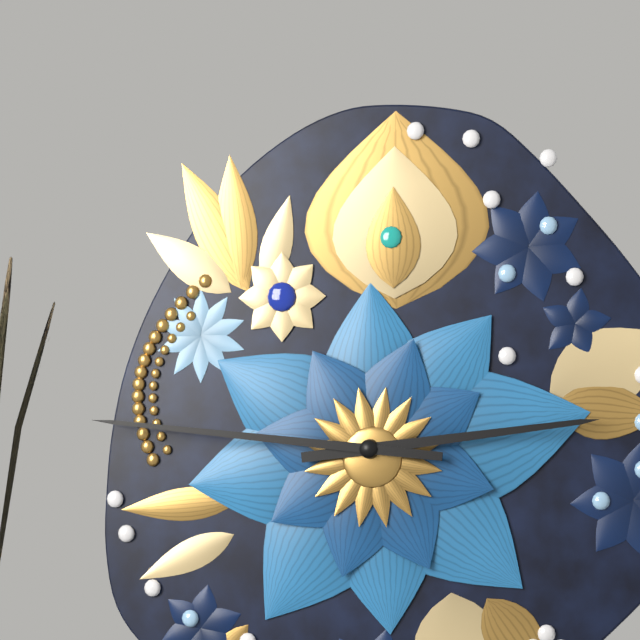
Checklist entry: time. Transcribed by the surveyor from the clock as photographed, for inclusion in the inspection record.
2:46
